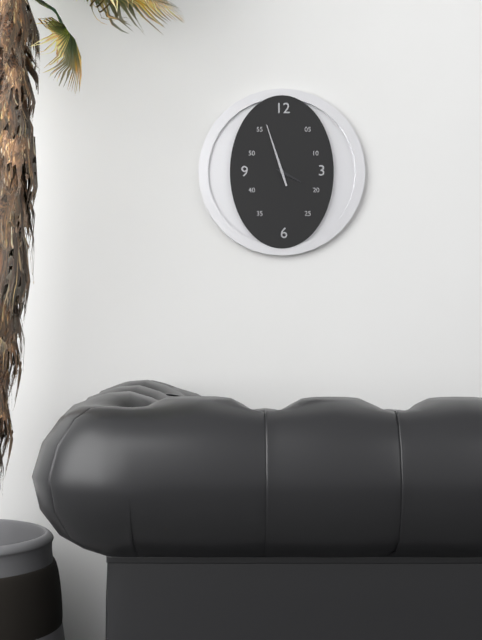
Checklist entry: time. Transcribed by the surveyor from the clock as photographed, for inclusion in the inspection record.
3:57
